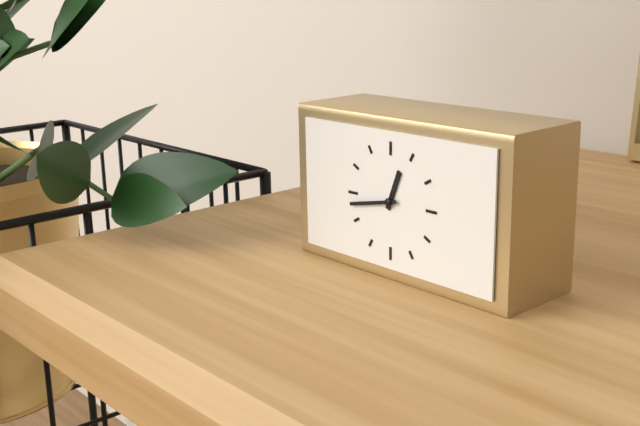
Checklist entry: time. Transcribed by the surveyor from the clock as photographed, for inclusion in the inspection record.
12:43
